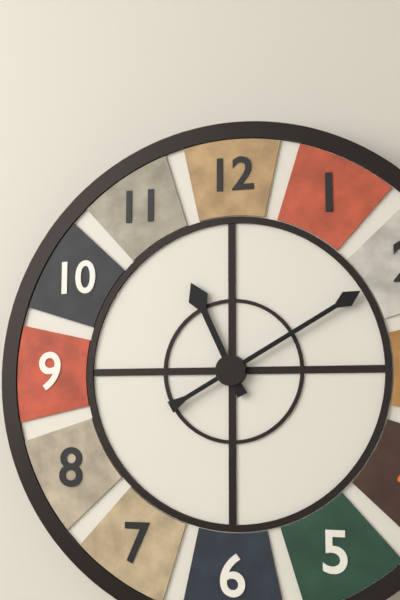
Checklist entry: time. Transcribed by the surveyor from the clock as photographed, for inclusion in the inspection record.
11:10
